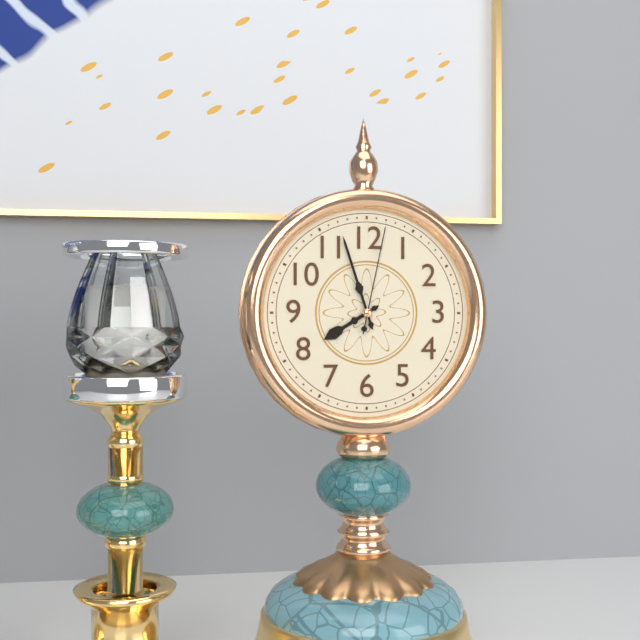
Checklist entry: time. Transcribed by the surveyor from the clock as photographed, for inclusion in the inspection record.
7:57:02
